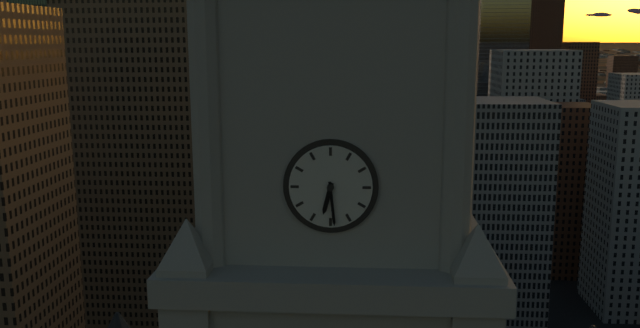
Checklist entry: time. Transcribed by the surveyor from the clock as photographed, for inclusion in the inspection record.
6:29
